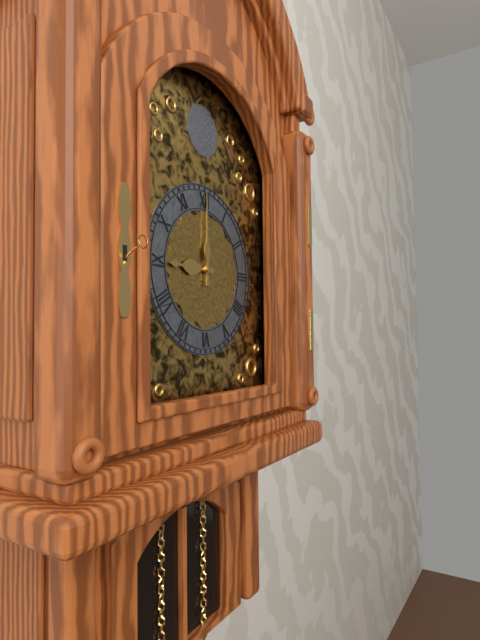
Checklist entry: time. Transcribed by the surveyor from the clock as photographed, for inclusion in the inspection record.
9:00
